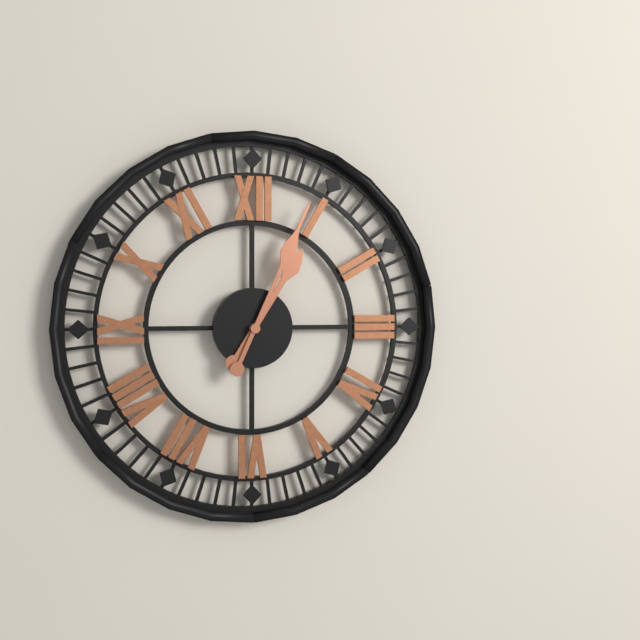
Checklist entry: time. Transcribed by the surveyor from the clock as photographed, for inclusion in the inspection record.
1:04
